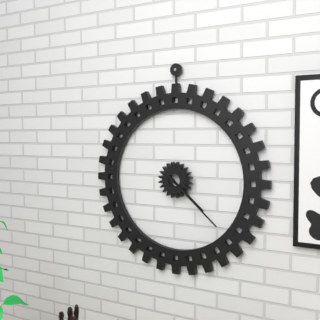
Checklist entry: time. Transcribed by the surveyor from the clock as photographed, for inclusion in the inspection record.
4:22
